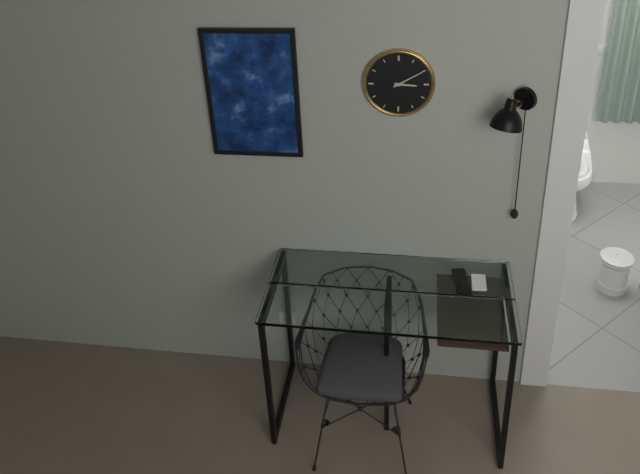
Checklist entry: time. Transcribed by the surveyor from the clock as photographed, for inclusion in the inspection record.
3:10
